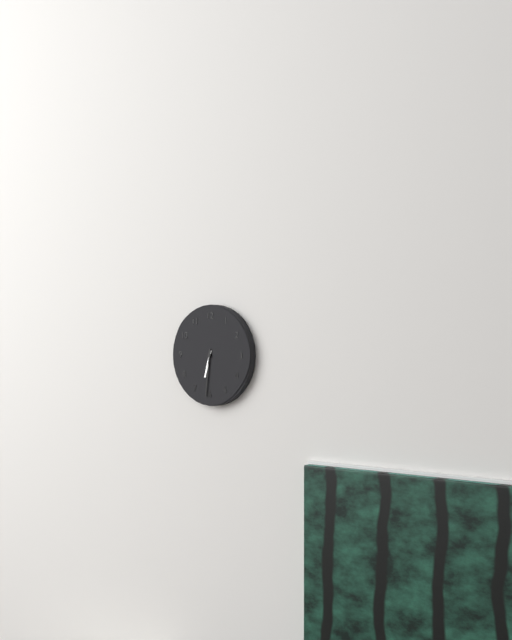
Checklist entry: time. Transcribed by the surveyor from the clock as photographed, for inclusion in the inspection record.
6:31
